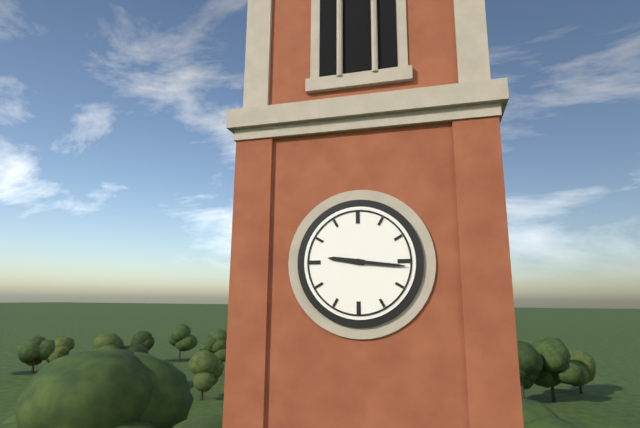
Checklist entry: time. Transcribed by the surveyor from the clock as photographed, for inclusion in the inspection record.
9:16
